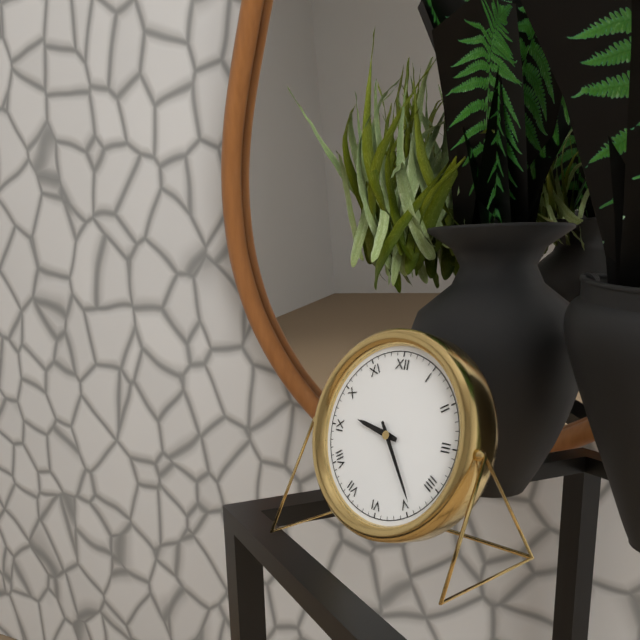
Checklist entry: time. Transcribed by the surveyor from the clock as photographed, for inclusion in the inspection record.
9:24
